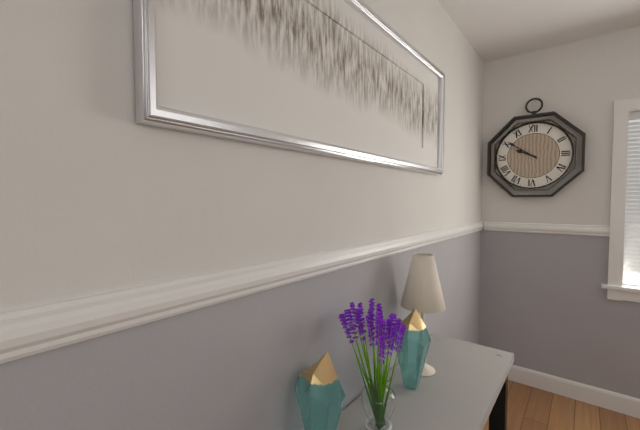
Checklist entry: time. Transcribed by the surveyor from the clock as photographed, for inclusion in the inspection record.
9:51
